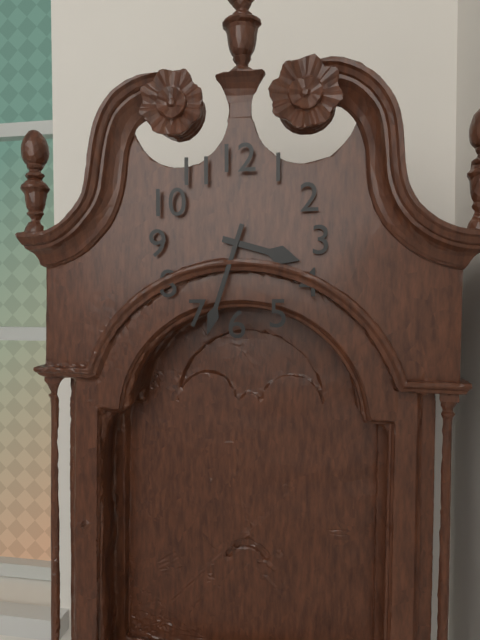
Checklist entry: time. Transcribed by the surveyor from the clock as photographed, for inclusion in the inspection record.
3:33
